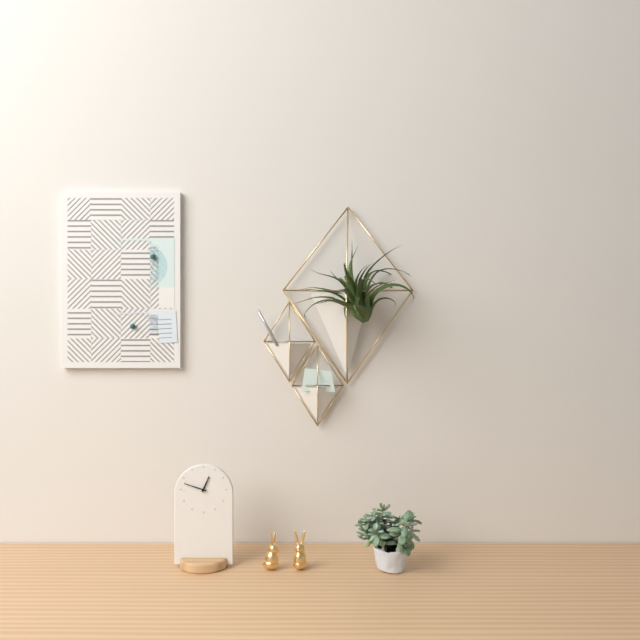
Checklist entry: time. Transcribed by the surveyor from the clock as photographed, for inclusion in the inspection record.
12:48
